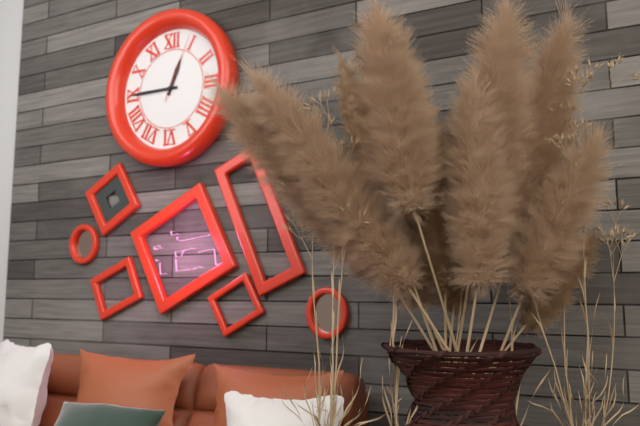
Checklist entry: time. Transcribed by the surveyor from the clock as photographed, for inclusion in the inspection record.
12:45:04
